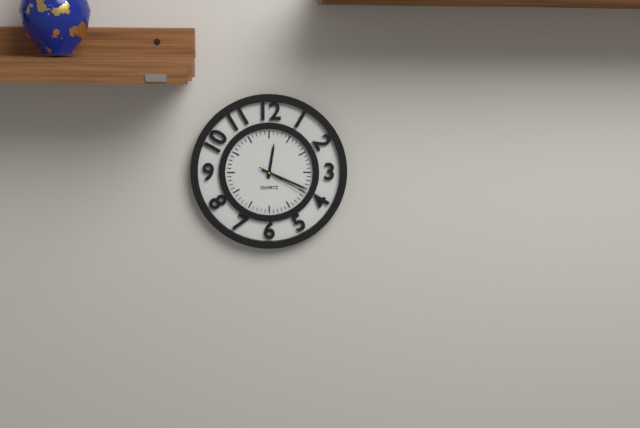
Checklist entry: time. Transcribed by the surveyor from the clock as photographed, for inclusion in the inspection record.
12:19:20
